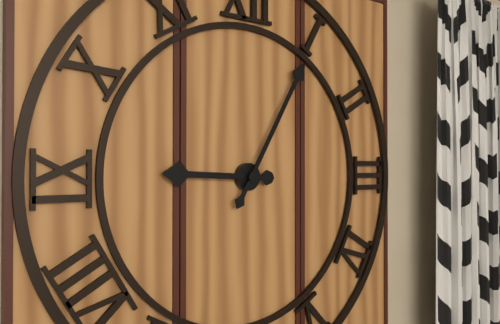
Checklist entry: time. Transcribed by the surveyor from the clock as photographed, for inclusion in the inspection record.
9:05
